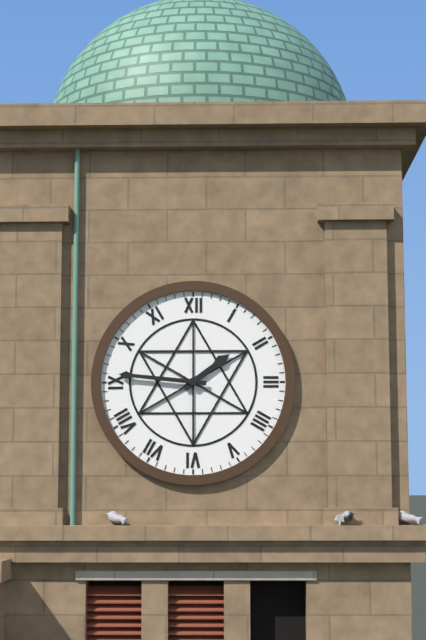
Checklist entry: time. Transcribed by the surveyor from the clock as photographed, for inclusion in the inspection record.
1:46
